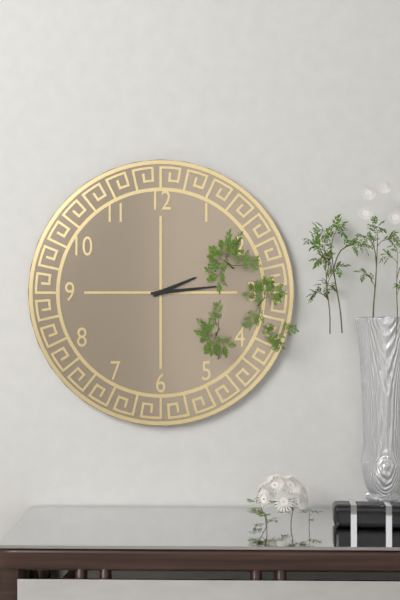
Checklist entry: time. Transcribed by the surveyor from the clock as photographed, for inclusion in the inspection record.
2:14
